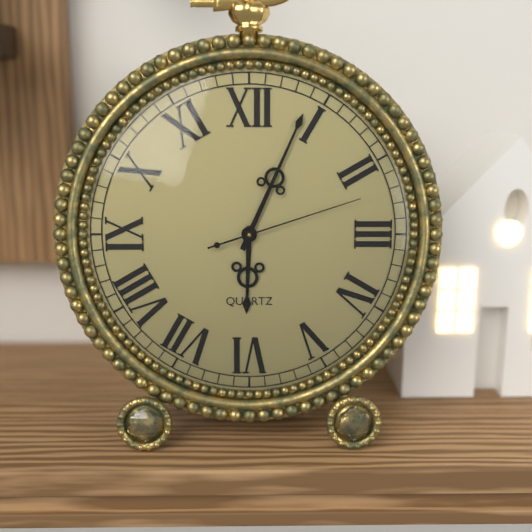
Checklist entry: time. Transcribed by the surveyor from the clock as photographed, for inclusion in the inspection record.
6:04:12
